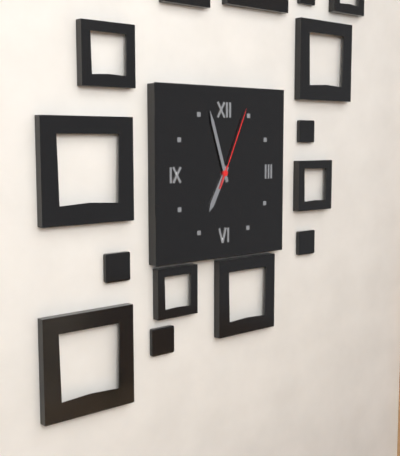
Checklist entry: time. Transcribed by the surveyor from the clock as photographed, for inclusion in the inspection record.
6:57:04
